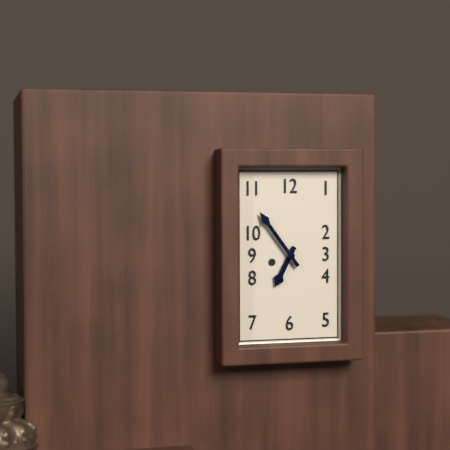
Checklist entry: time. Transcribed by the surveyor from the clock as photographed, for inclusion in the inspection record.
6:54
